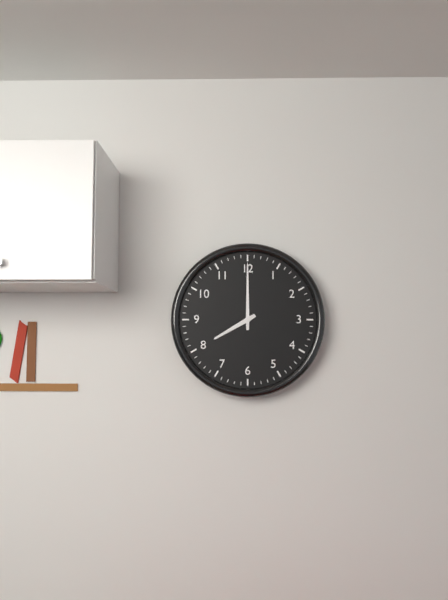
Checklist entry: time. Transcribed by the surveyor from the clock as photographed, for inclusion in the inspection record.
8:00
